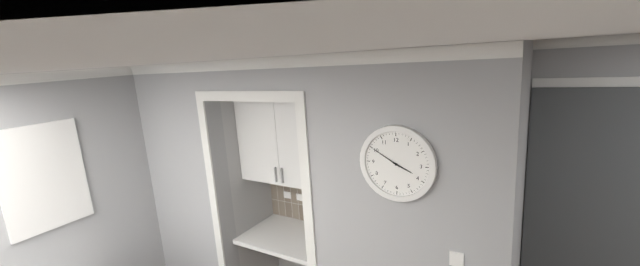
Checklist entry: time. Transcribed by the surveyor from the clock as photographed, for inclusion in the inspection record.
3:50
